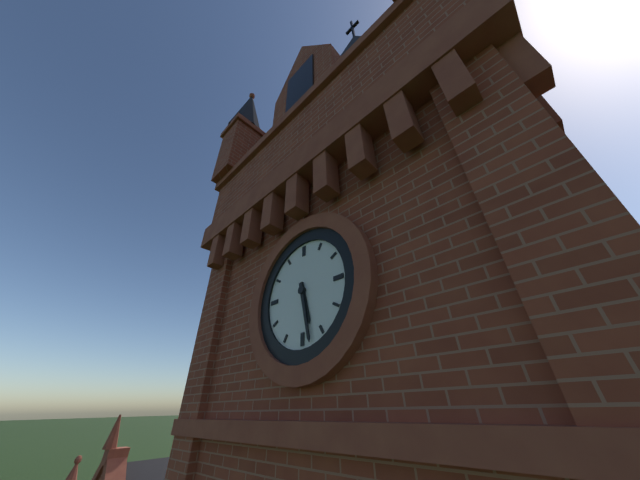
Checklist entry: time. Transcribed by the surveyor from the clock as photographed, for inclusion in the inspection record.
5:28
